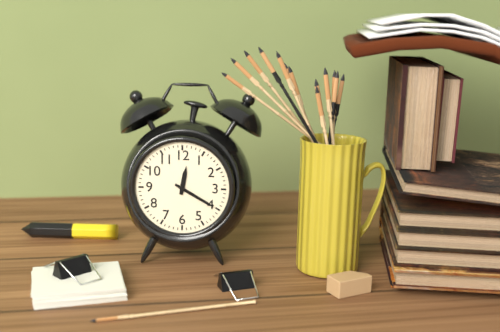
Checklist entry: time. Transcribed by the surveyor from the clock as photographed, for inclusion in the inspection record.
12:20
